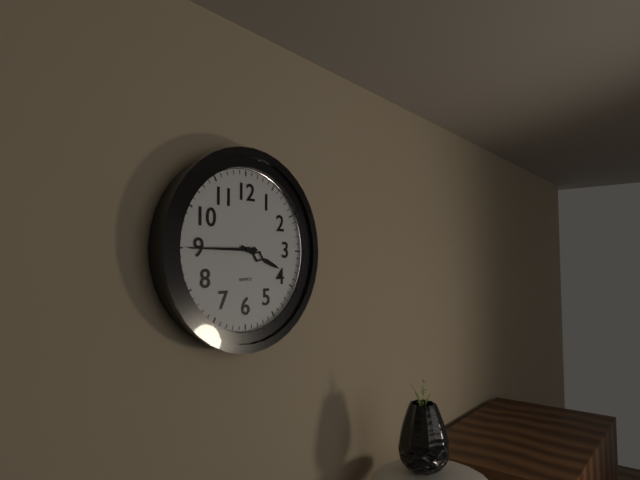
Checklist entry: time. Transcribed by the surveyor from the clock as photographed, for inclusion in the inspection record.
3:45
